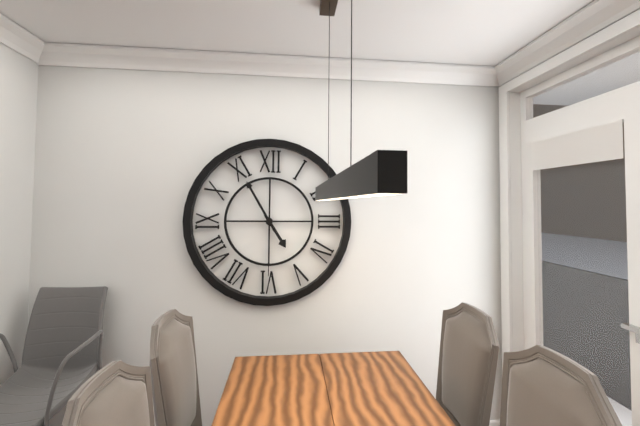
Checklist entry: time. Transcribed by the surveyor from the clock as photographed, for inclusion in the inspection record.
4:55:30
